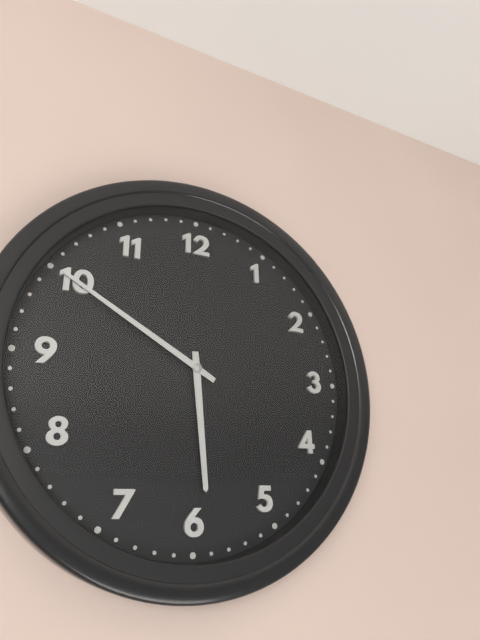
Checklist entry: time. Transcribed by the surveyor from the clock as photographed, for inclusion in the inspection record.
5:50
